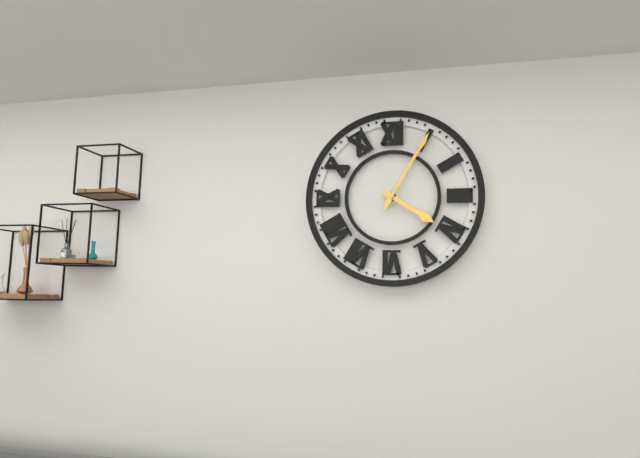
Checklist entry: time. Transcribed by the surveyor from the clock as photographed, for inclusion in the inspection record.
4:05
